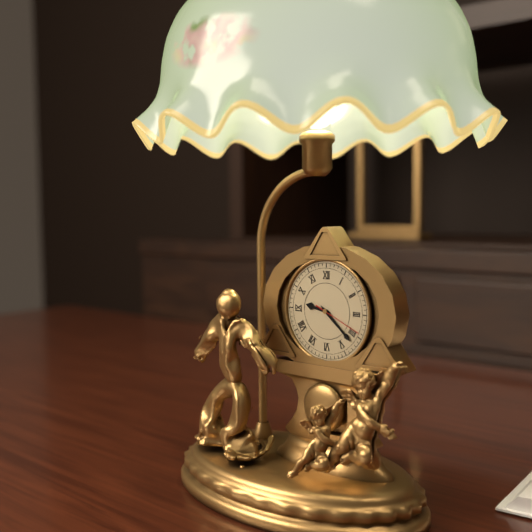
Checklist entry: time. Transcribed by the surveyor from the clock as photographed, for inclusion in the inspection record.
9:22:19
